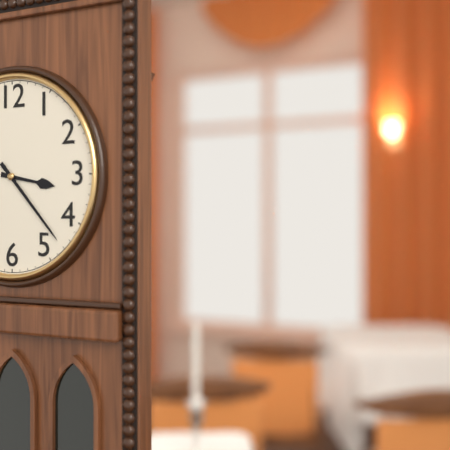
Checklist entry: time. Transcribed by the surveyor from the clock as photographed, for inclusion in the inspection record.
3:23
